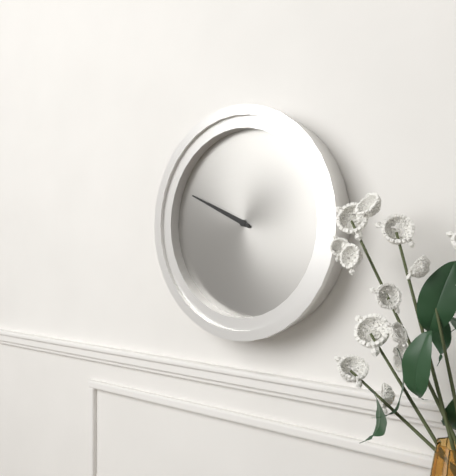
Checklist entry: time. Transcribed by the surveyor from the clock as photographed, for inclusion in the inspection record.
9:49
